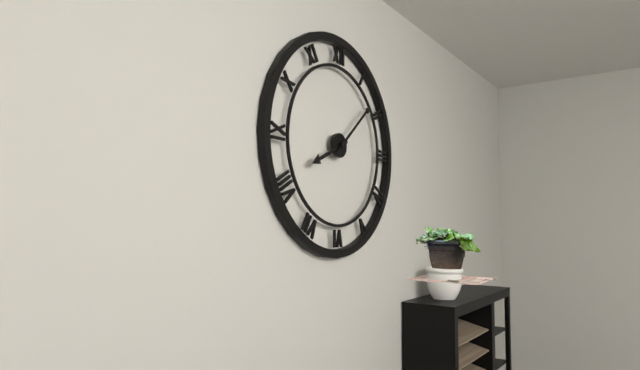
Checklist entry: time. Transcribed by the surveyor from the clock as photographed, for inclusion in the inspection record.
8:08
